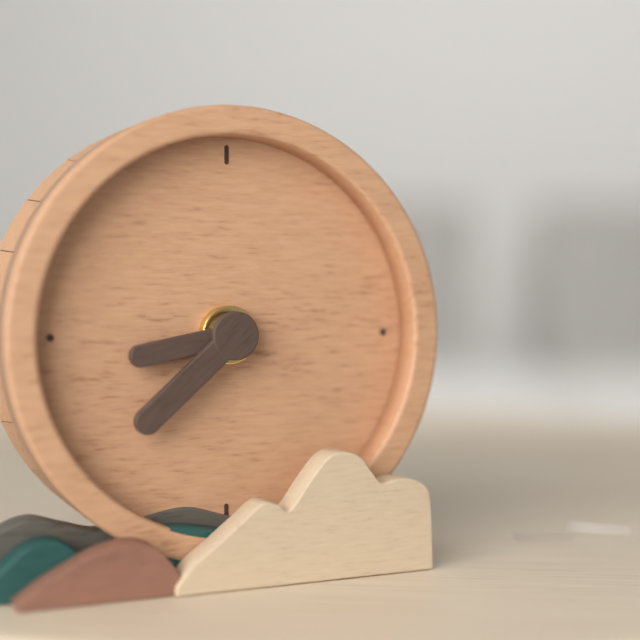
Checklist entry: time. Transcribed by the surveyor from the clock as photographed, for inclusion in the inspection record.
8:38
